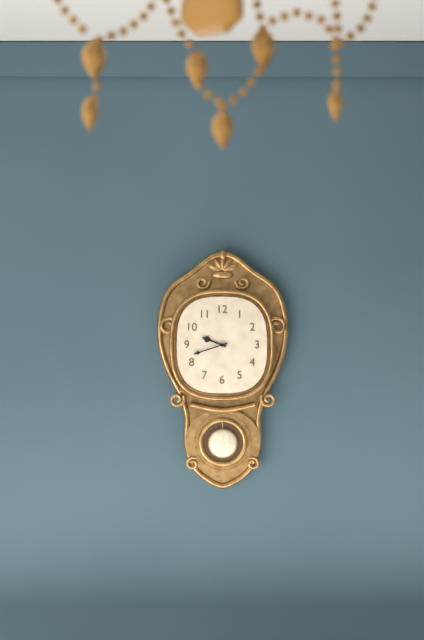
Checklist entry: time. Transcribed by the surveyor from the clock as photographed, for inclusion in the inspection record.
9:42
